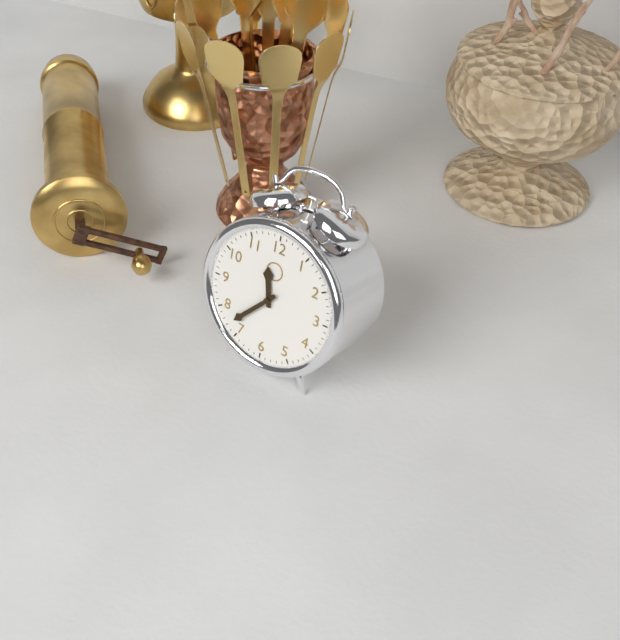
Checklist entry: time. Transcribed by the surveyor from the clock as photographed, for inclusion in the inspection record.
11:37
